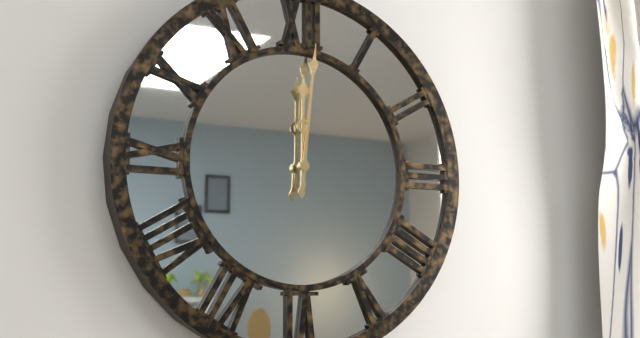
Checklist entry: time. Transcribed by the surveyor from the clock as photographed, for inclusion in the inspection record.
12:01
